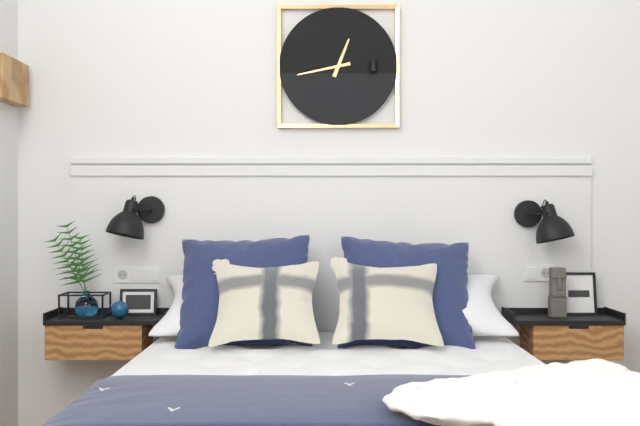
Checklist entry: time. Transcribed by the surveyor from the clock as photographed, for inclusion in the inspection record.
12:43
